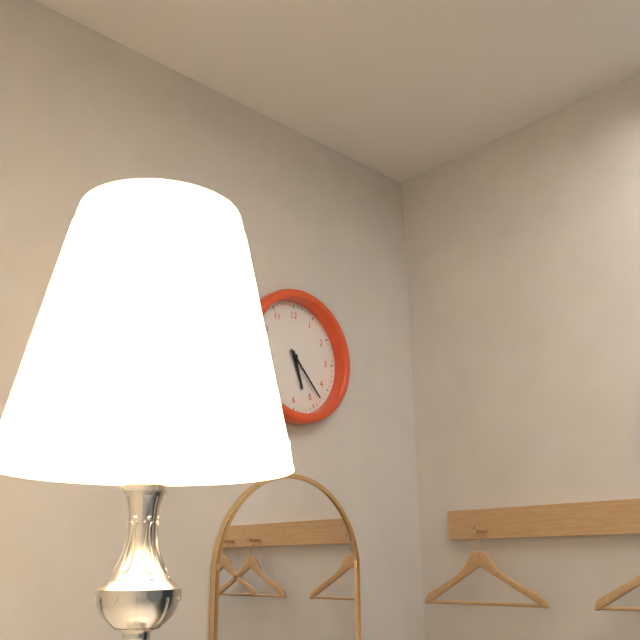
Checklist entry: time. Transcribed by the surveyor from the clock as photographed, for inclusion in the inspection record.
5:23
